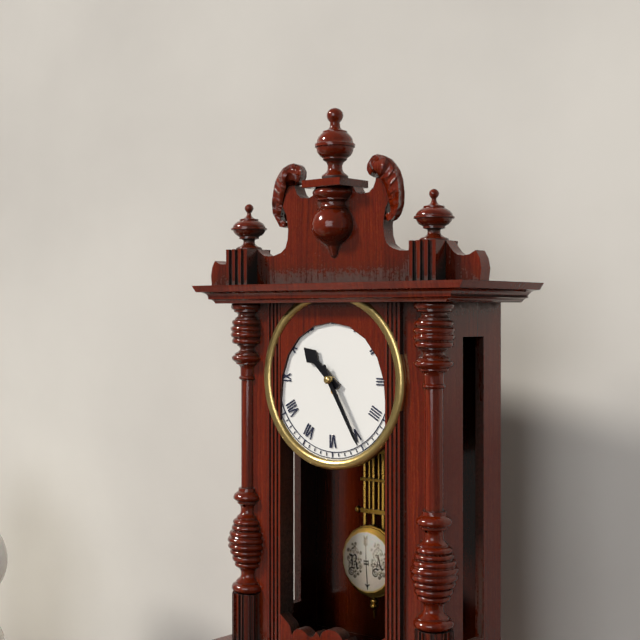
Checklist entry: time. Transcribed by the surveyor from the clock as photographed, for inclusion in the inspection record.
10:25
